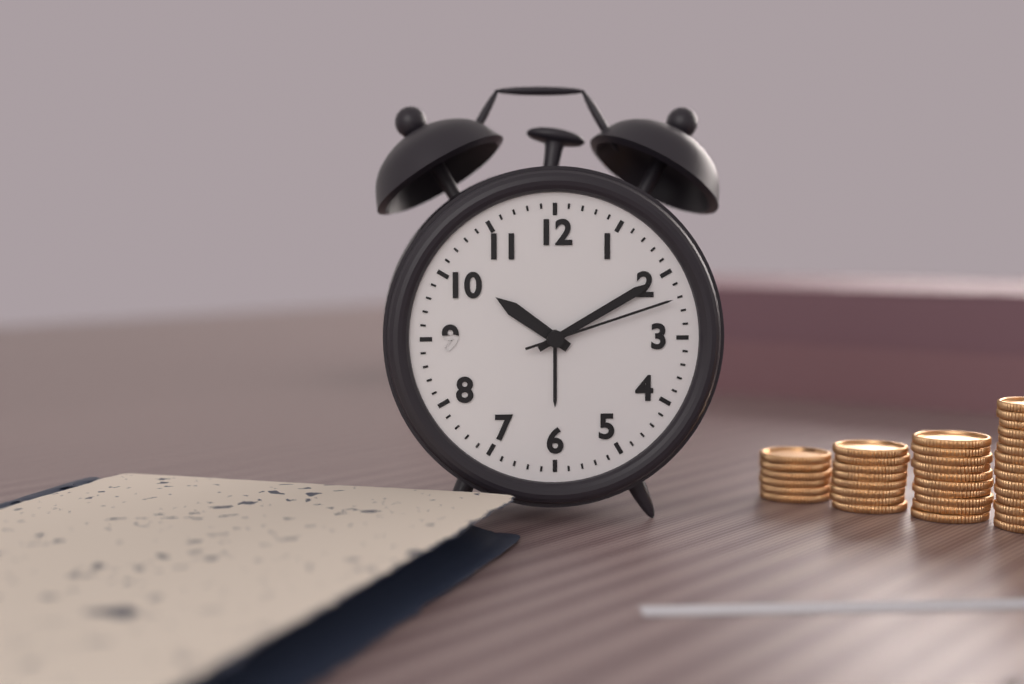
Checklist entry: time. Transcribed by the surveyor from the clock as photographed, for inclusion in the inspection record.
10:10:12
